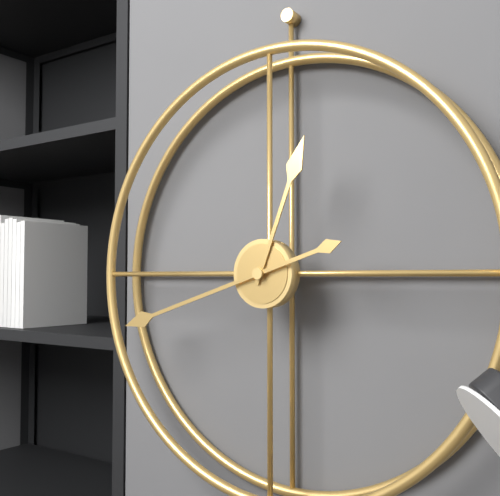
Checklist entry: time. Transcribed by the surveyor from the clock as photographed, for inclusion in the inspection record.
12:42
